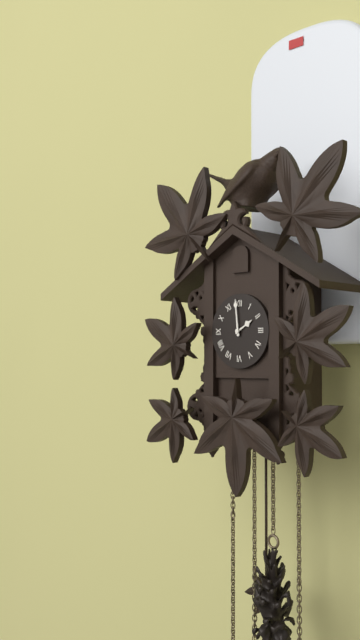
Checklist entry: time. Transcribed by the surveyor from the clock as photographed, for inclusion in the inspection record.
1:59
